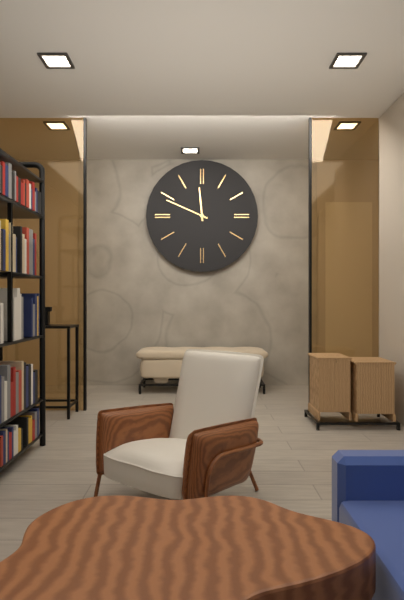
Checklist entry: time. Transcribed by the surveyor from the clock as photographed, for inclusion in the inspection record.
11:49
